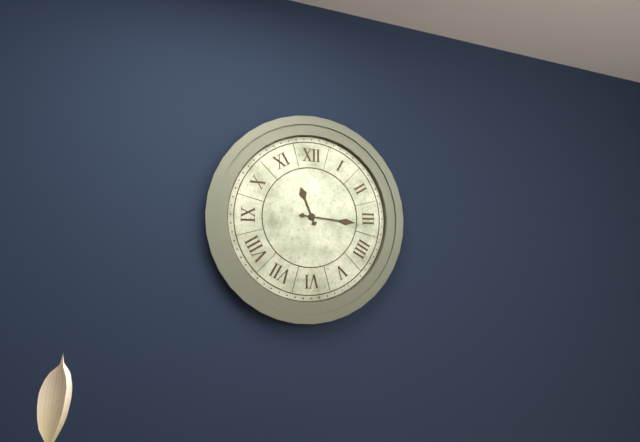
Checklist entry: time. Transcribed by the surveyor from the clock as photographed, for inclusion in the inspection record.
11:16
